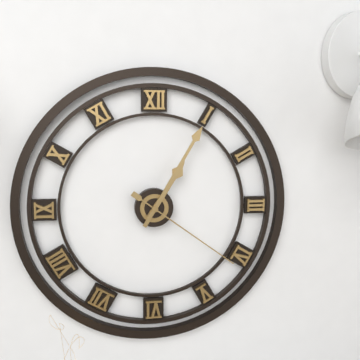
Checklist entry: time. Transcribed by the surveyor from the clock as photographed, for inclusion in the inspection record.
1:05:21
